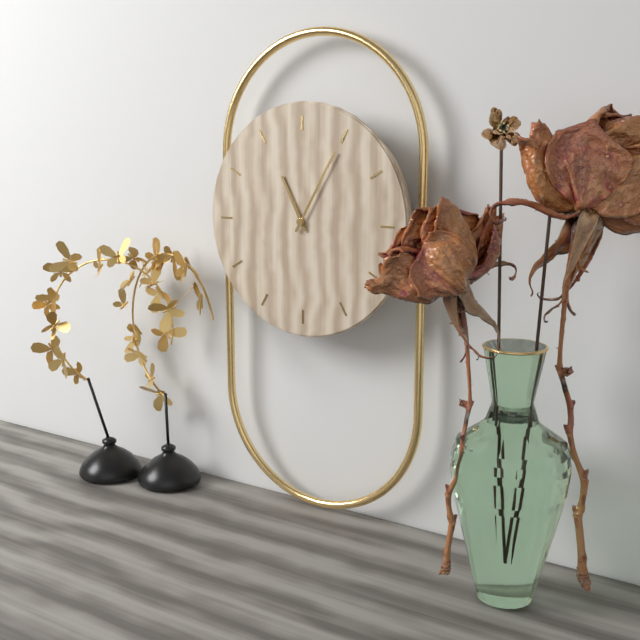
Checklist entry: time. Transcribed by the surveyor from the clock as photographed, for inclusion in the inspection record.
11:05
